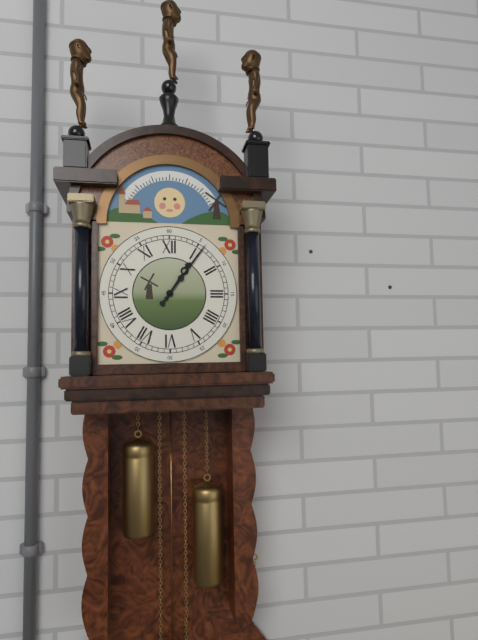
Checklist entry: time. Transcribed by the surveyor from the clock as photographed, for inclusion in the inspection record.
1:06
